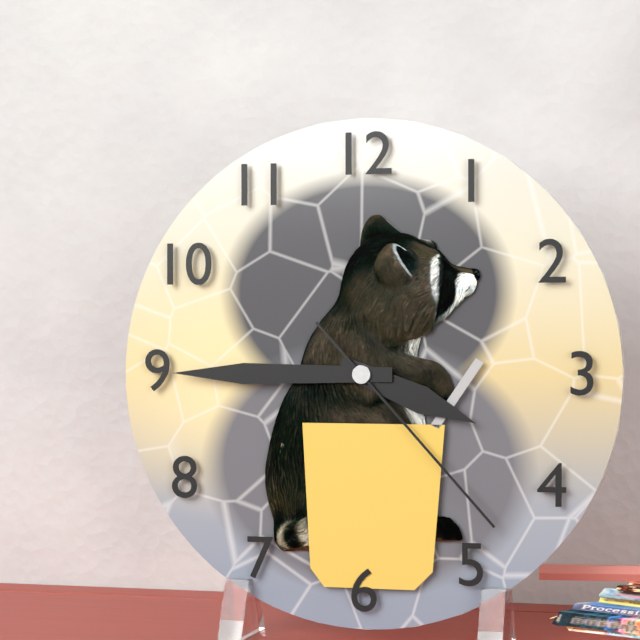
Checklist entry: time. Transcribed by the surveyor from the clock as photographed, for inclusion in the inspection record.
3:45:23
